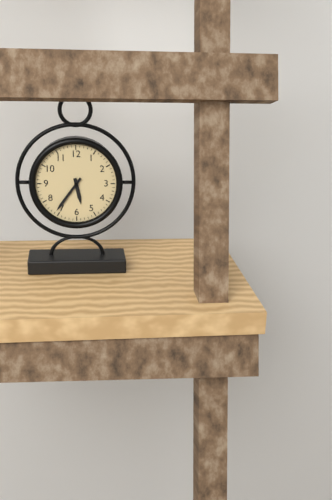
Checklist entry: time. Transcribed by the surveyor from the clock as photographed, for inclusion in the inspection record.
5:36
